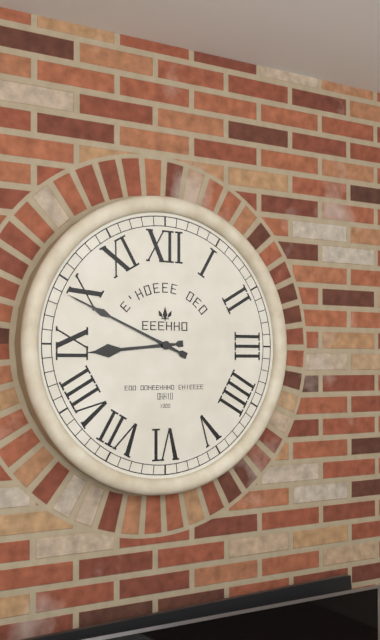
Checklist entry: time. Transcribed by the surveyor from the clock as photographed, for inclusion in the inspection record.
8:49
